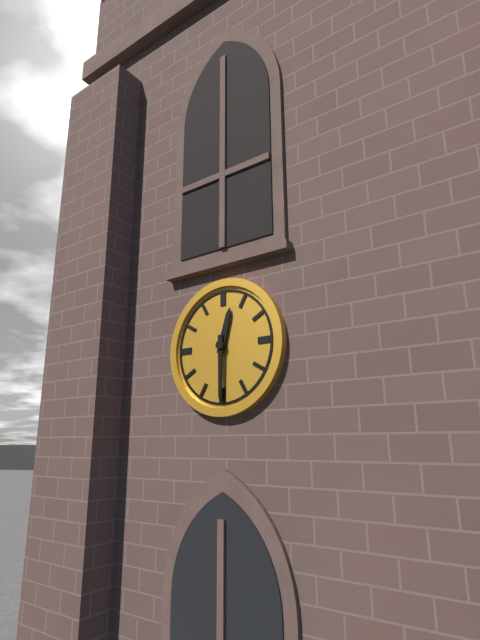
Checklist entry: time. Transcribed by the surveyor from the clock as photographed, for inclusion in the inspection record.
12:30
